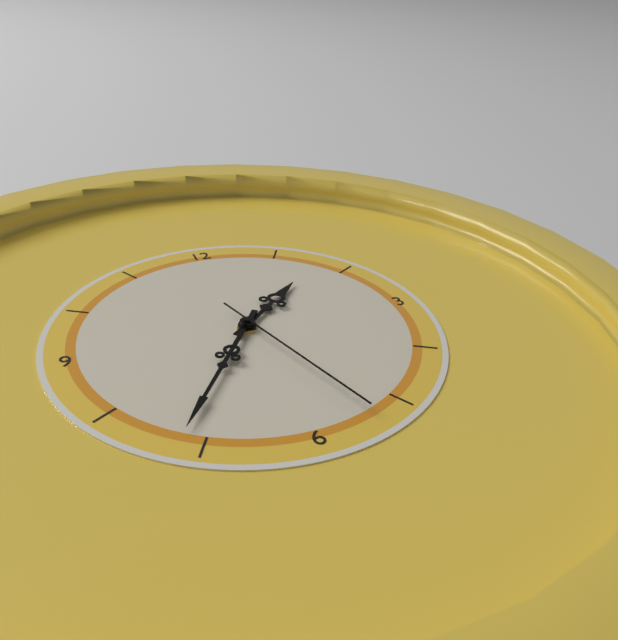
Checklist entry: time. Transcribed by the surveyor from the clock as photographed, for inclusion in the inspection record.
1:36:27
